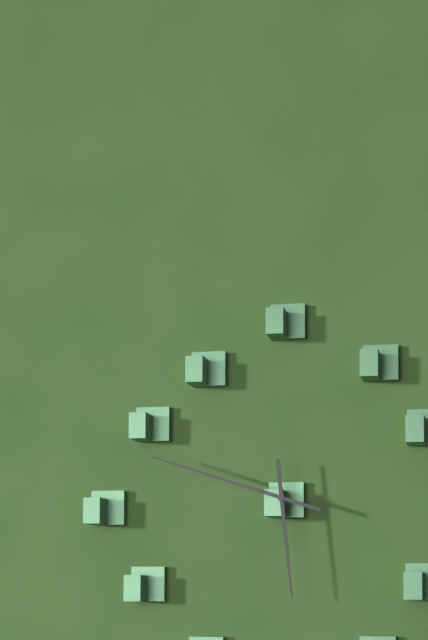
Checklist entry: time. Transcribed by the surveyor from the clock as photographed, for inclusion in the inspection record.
5:48
